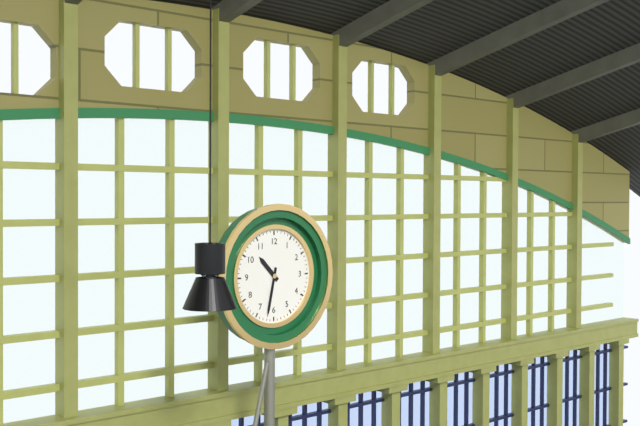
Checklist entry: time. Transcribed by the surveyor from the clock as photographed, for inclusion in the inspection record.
10:32
